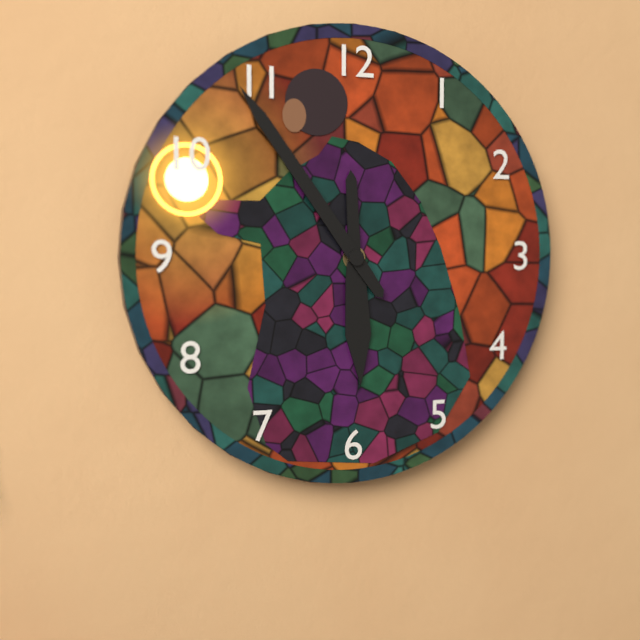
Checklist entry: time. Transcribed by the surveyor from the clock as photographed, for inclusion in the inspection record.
5:54
